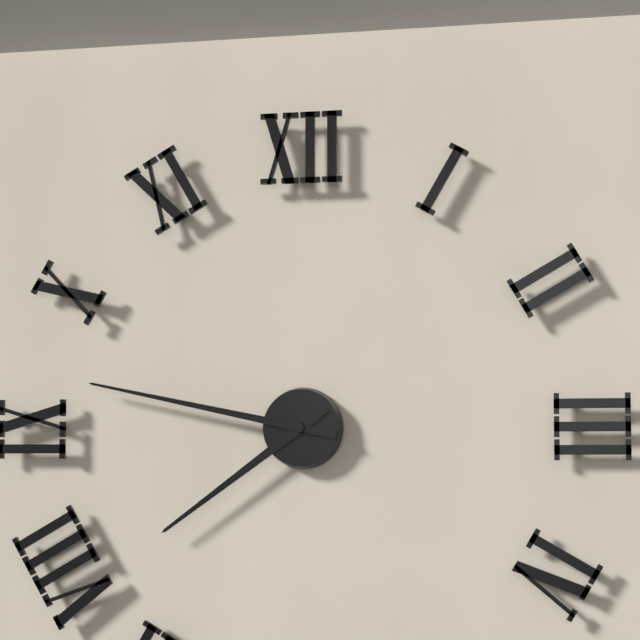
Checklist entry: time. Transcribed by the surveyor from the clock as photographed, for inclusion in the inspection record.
7:47
